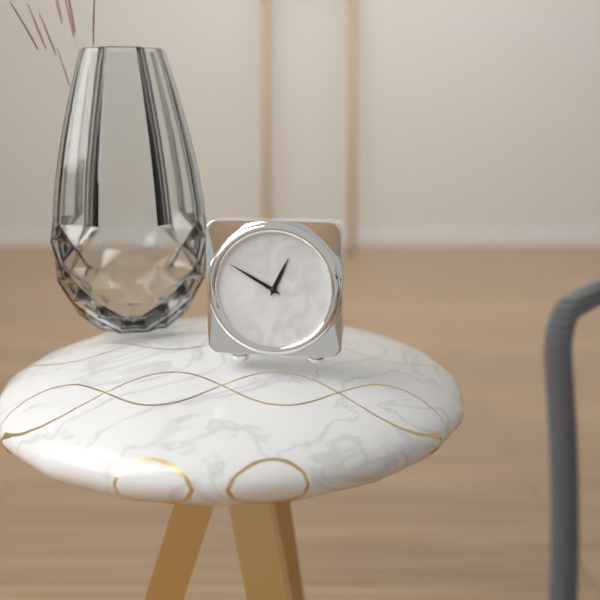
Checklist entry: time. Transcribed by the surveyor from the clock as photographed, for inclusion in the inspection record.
12:50
